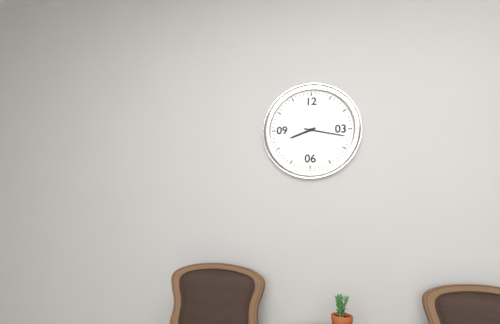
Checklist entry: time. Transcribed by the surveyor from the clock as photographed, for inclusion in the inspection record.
8:17
